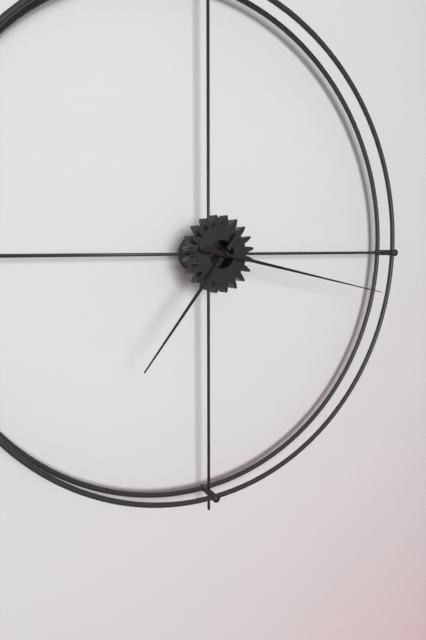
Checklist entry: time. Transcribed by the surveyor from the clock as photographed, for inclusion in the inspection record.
7:17
